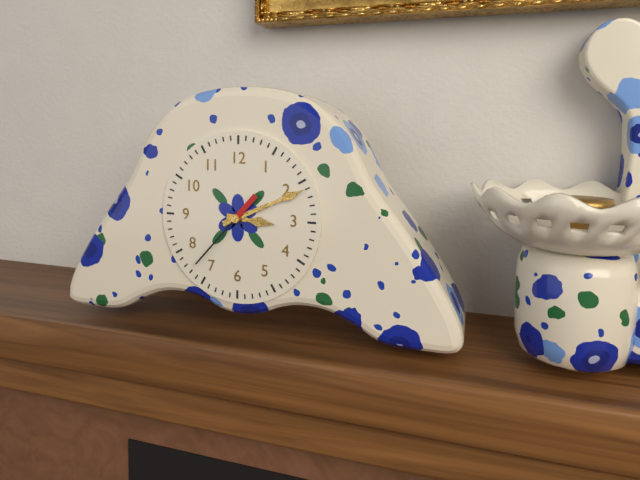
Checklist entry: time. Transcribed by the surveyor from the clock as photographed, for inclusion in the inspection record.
3:11:37
